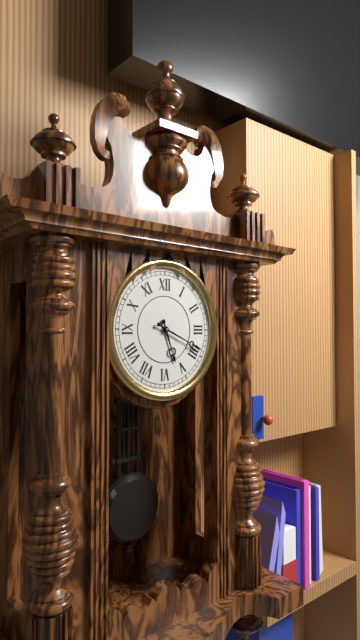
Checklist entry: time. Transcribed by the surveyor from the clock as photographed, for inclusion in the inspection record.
5:19
